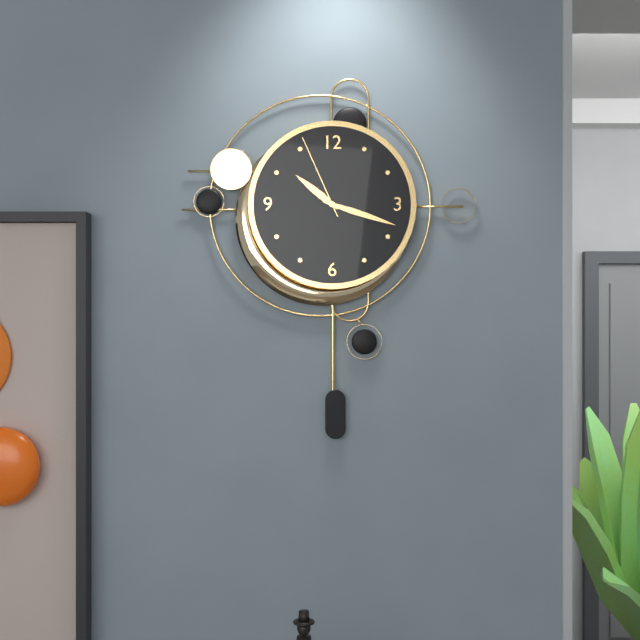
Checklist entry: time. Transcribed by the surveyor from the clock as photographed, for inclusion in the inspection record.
10:18:56
